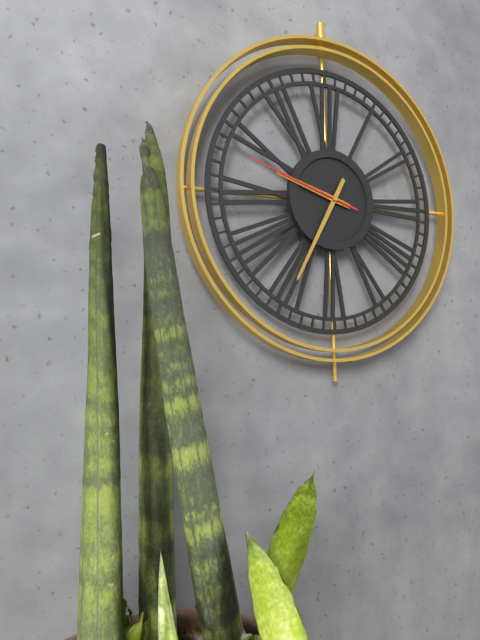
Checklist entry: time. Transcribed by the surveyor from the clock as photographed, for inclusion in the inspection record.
9:35:48
